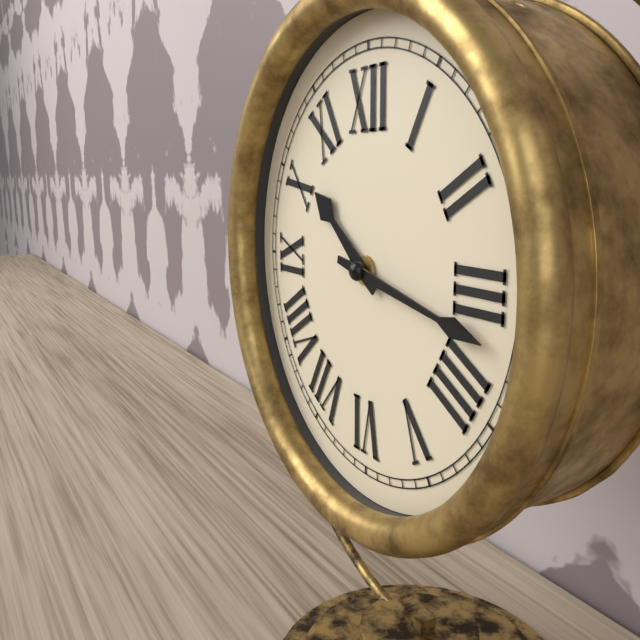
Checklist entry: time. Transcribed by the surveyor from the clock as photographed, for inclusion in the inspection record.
10:17
